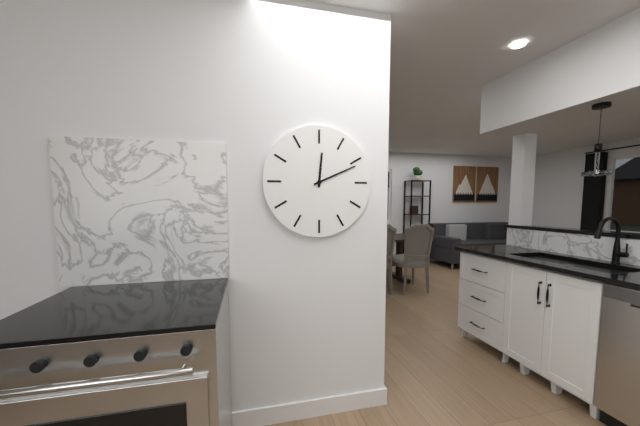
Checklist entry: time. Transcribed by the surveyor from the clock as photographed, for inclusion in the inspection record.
12:11
